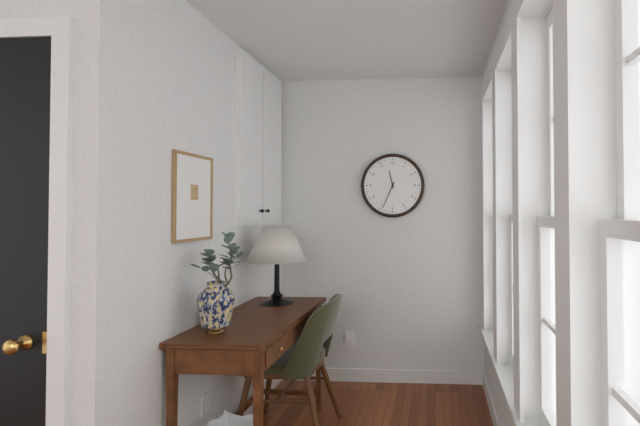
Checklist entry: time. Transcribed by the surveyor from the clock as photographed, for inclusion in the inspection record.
11:34
